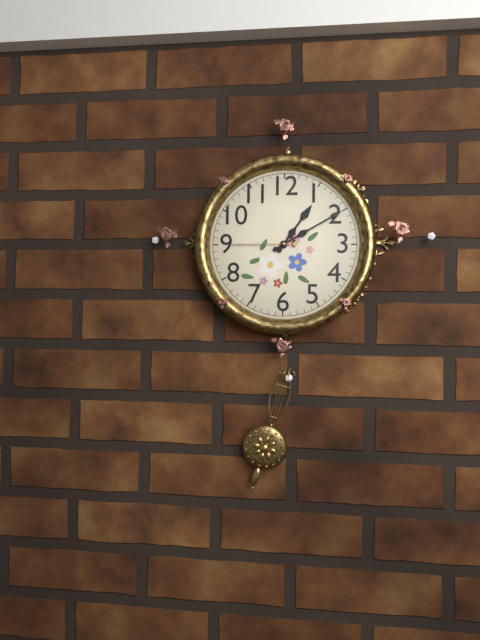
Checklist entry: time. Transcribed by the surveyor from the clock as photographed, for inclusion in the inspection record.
1:10:45
